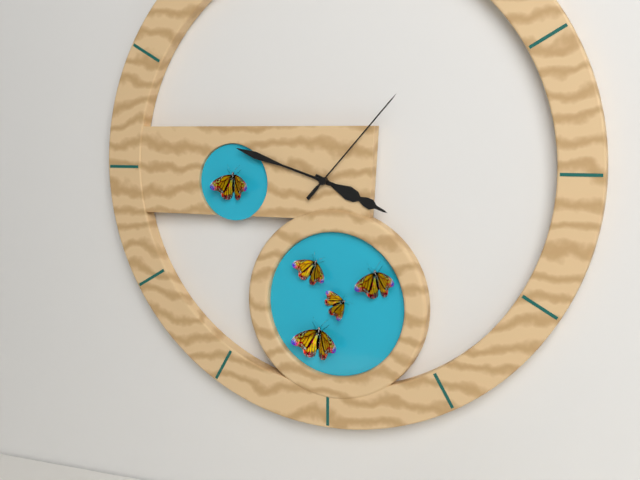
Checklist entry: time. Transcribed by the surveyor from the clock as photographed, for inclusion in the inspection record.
3:48:07
